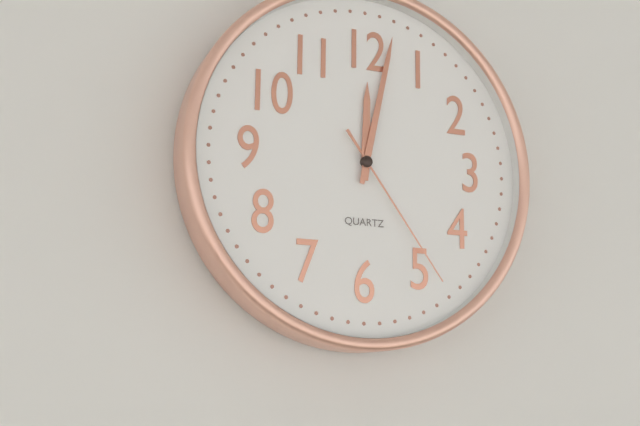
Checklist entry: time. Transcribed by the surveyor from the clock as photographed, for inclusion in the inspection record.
12:02:24
